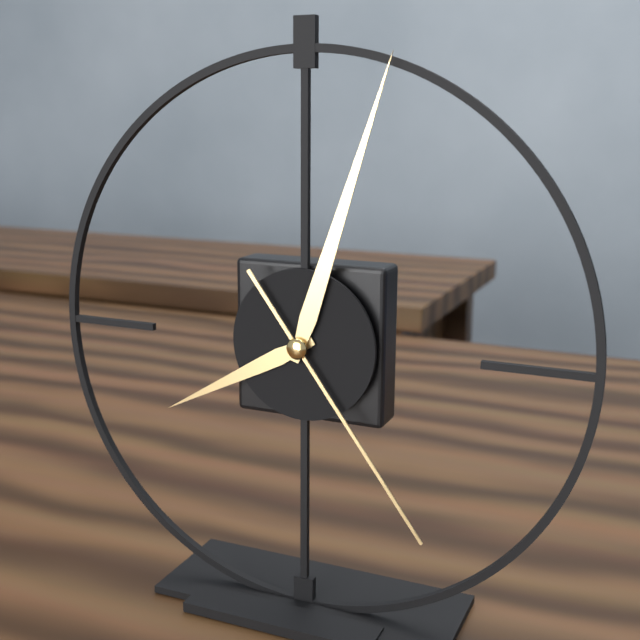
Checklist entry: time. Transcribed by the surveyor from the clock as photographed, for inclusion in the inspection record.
8:03:24
